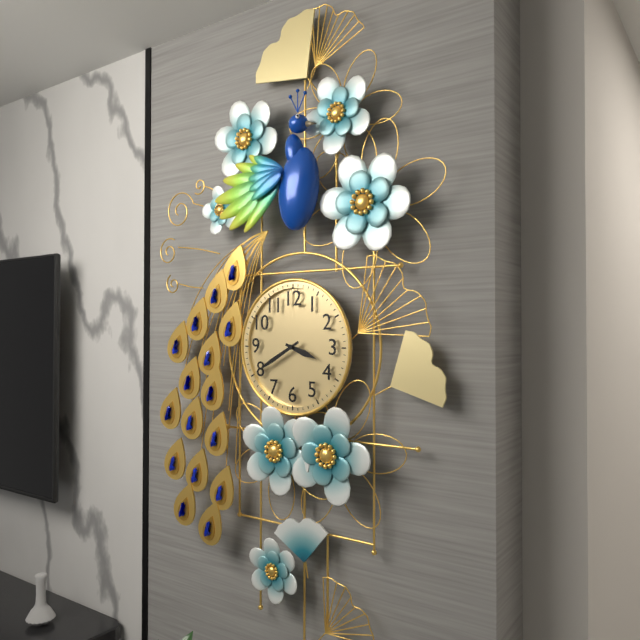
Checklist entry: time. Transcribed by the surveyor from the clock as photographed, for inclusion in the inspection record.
3:40
